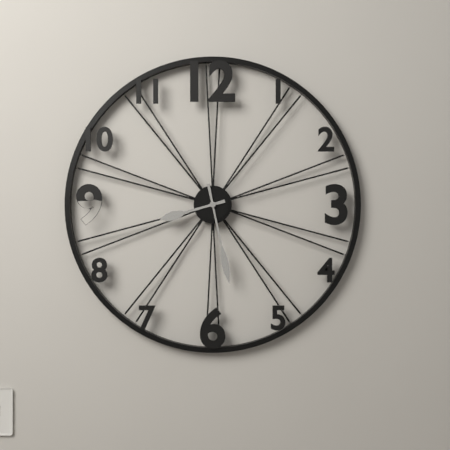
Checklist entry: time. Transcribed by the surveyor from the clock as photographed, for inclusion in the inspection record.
8:28
